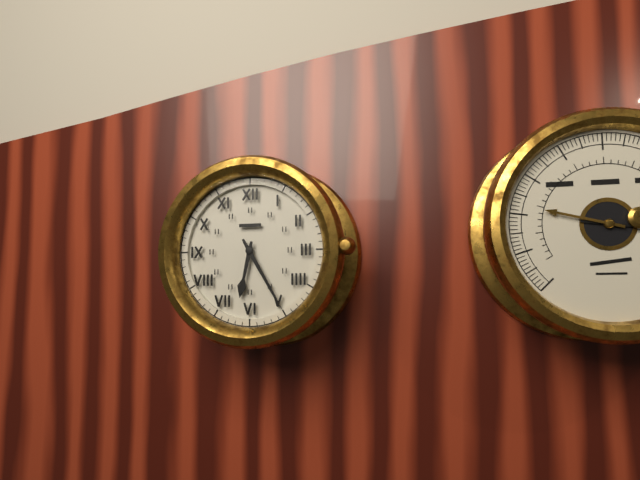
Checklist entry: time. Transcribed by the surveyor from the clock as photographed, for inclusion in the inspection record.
6:25
